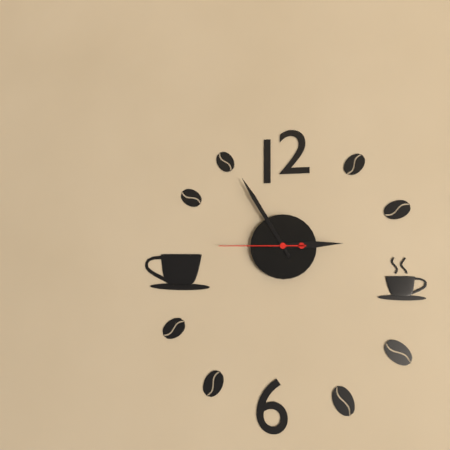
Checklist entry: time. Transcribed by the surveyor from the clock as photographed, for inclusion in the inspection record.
2:55:45
